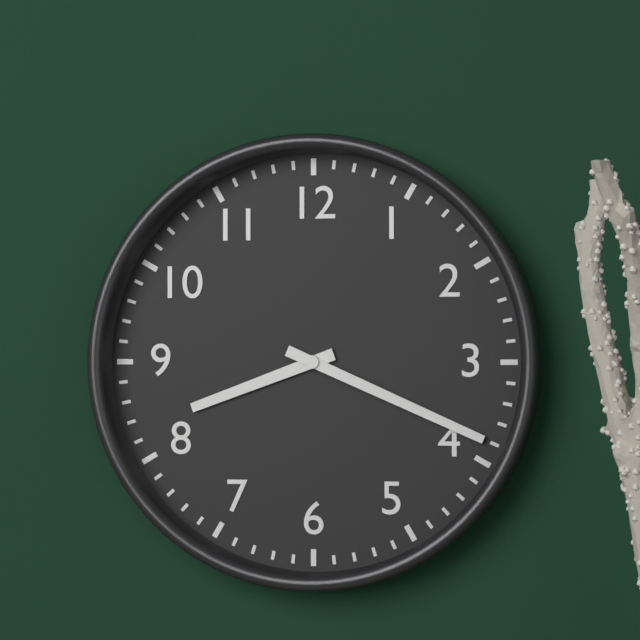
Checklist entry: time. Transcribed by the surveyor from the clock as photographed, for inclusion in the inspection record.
8:19
